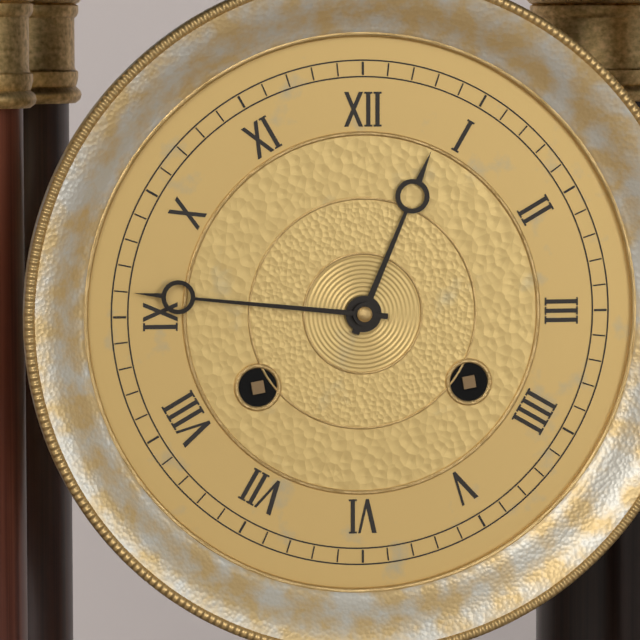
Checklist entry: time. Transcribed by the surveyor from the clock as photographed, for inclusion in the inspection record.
12:46
